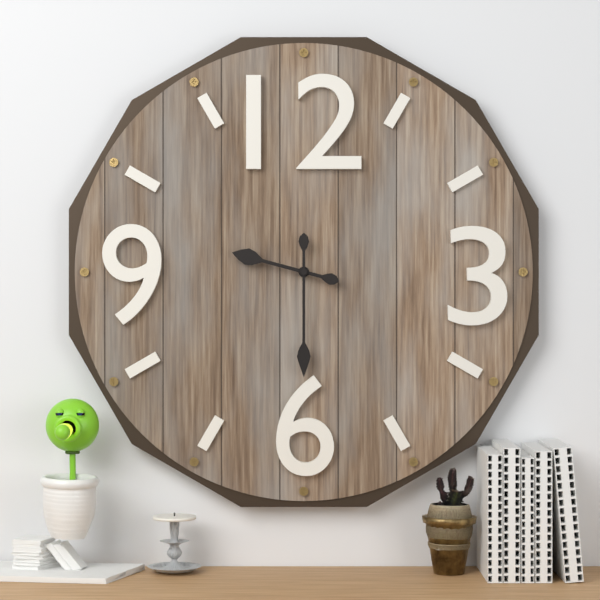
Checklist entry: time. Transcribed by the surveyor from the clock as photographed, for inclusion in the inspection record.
9:30
